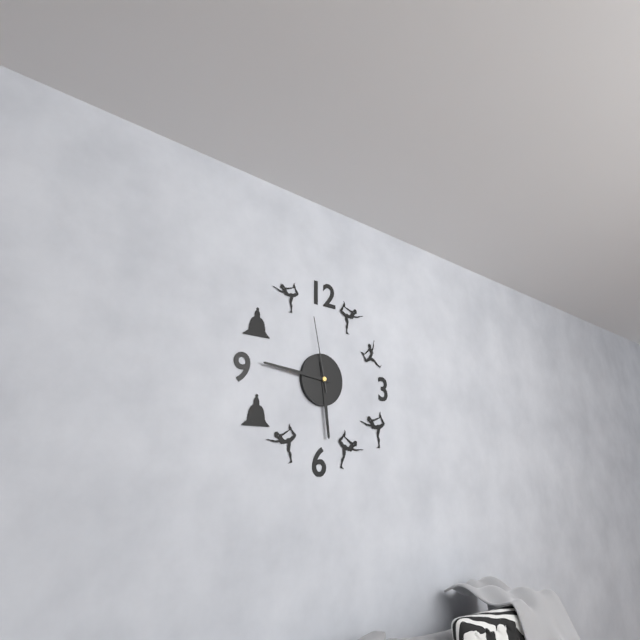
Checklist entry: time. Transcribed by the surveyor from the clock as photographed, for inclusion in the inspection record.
5:46:58
